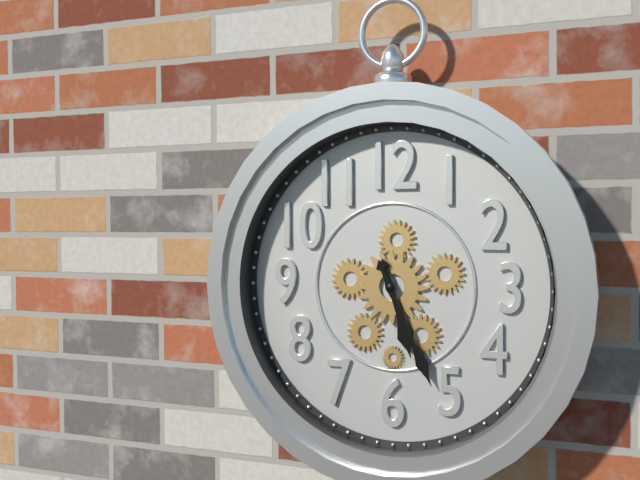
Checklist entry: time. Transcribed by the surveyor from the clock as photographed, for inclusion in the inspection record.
5:26
